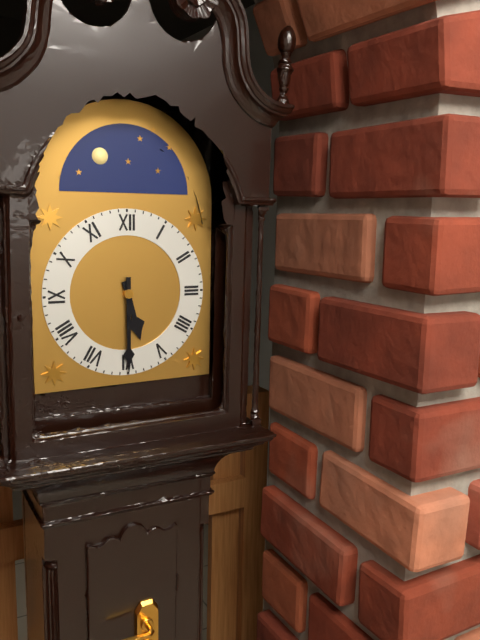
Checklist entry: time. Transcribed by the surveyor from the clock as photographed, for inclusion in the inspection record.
5:30
